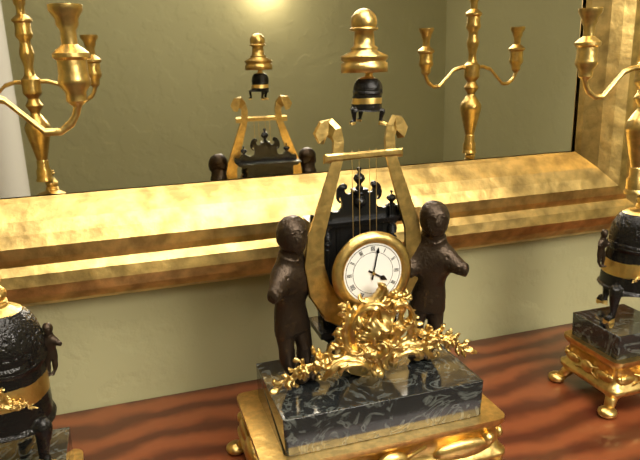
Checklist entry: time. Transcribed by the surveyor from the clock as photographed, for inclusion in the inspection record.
4:02
